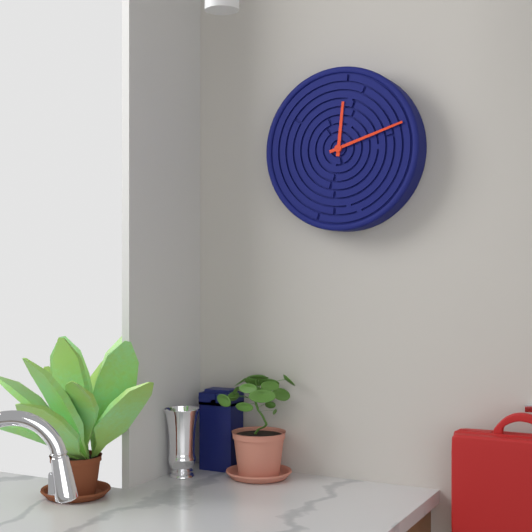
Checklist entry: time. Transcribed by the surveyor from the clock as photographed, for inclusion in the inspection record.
12:12
